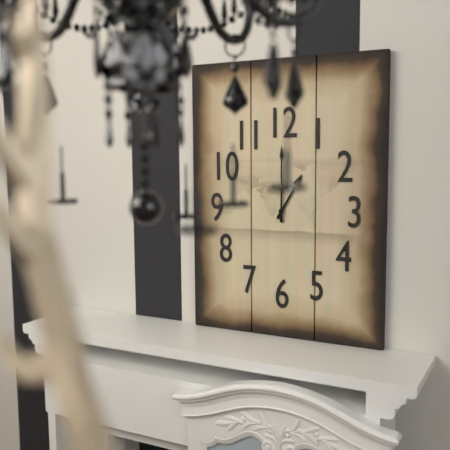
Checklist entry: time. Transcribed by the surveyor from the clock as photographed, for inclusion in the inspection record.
1:00
